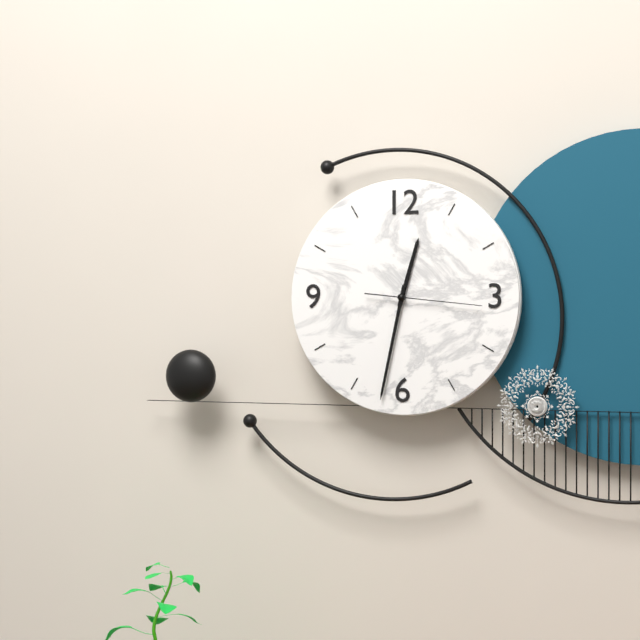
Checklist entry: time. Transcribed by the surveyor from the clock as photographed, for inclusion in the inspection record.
12:32:16
